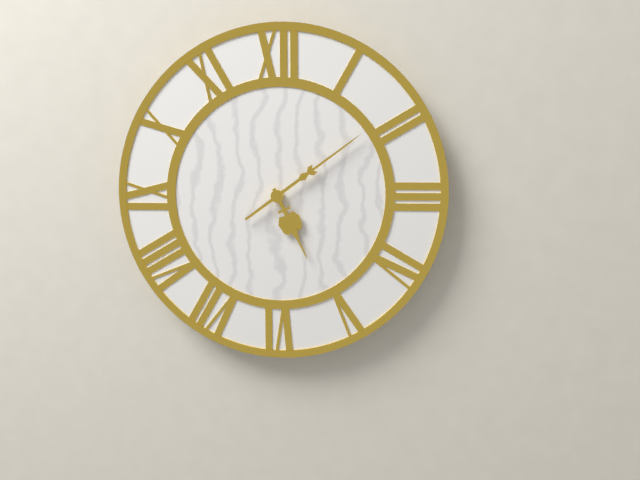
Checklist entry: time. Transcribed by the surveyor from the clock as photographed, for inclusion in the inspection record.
5:09
